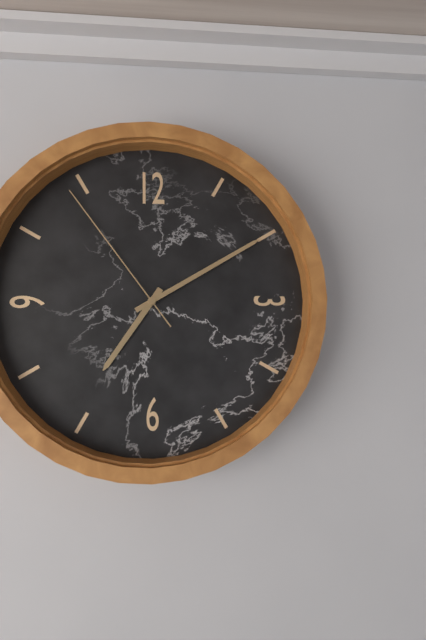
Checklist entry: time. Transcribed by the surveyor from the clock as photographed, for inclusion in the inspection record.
7:10:54
